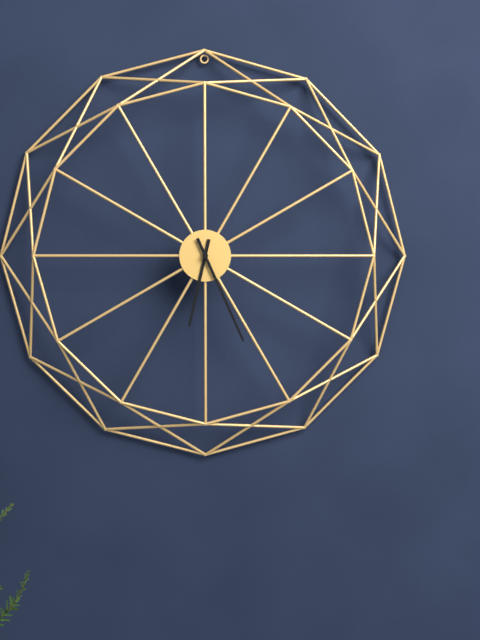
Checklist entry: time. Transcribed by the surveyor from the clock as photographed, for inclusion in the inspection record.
6:26
